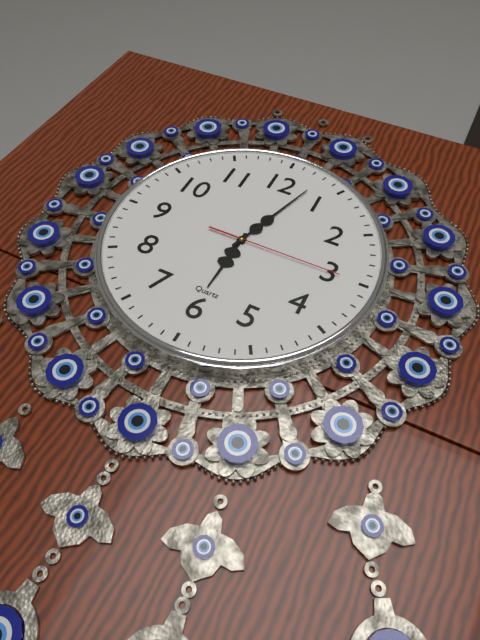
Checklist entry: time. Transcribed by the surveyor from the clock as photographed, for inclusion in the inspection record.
6:03:15
